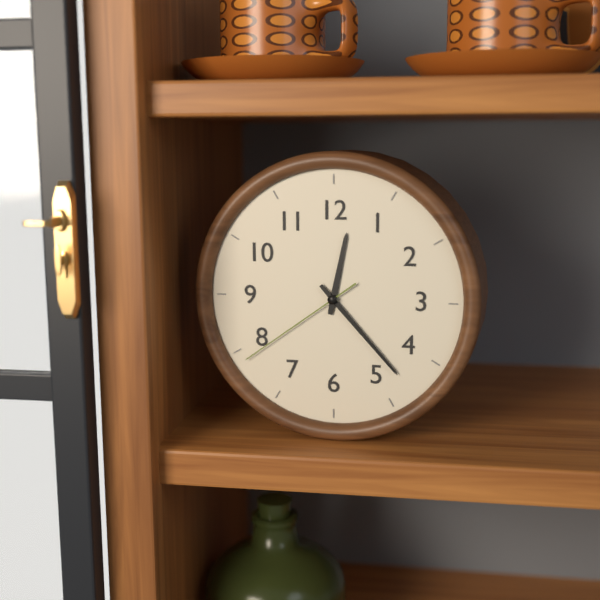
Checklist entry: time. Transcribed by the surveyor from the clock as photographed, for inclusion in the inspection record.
12:23:39
